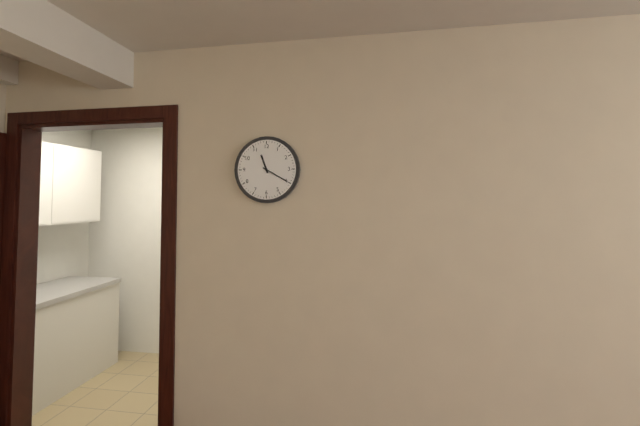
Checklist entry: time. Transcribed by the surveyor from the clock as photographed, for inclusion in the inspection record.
11:20
